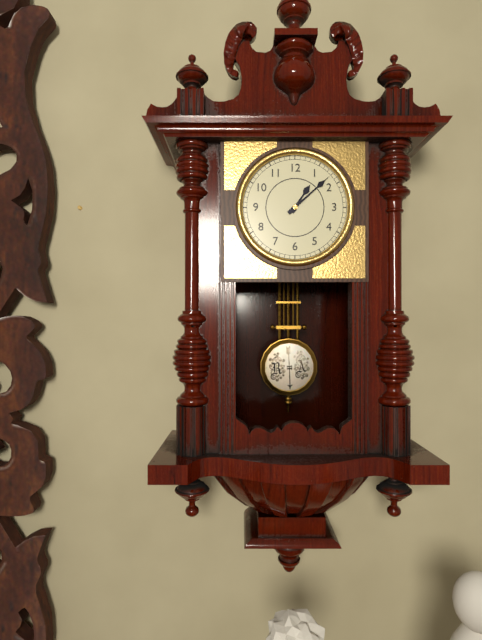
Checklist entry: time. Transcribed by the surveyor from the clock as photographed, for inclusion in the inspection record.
1:08
